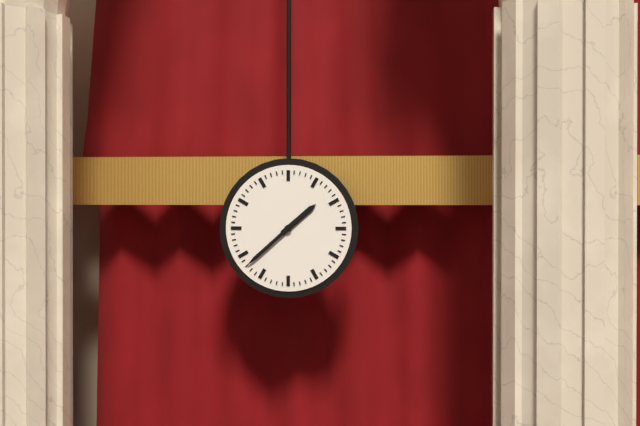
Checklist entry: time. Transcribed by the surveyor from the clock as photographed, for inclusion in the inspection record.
1:38
